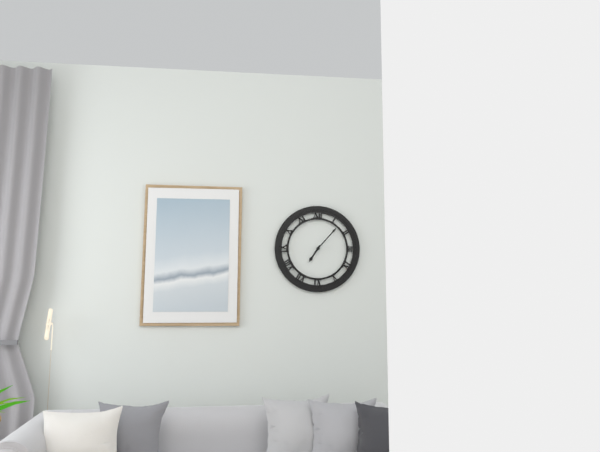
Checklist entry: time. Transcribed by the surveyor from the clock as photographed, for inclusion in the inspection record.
7:07
